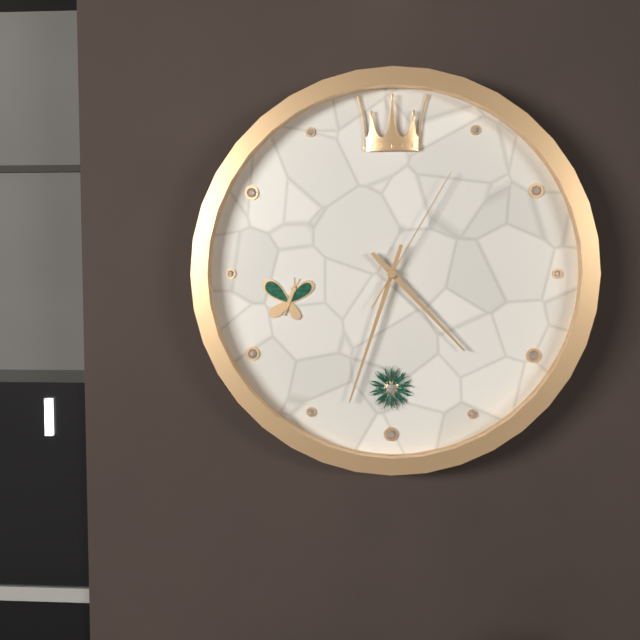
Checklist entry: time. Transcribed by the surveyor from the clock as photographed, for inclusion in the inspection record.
4:33:05
